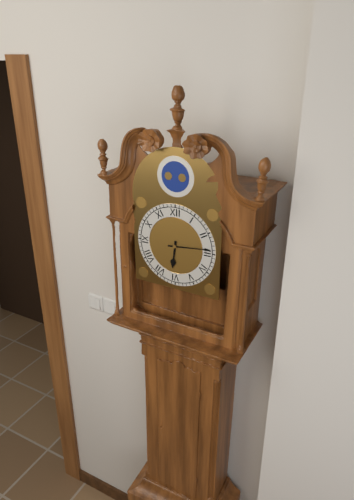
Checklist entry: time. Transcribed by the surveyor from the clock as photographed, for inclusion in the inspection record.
6:14
